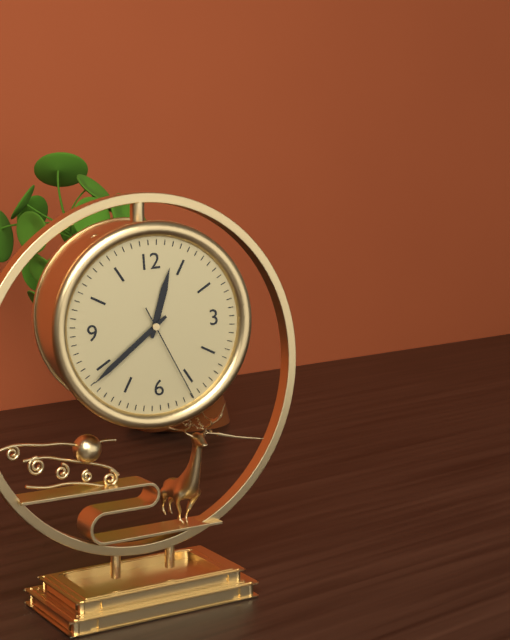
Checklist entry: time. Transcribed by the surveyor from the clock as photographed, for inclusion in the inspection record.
12:39:26
